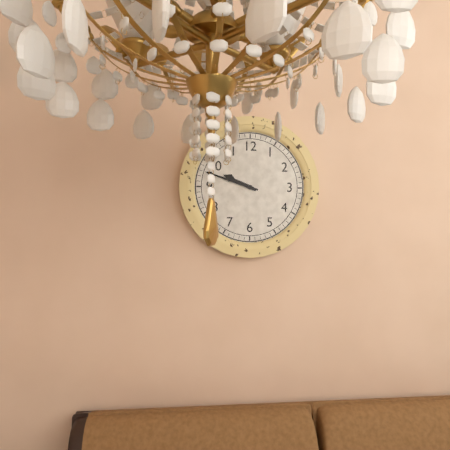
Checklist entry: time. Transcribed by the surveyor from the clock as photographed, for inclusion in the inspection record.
9:48
